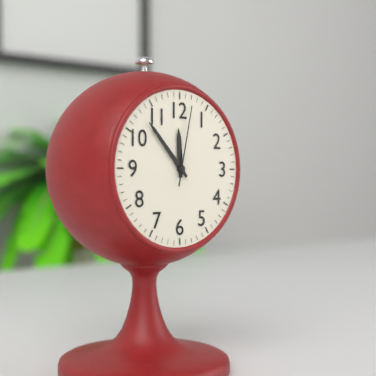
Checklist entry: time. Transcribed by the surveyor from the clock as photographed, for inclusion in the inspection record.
11:53:02
